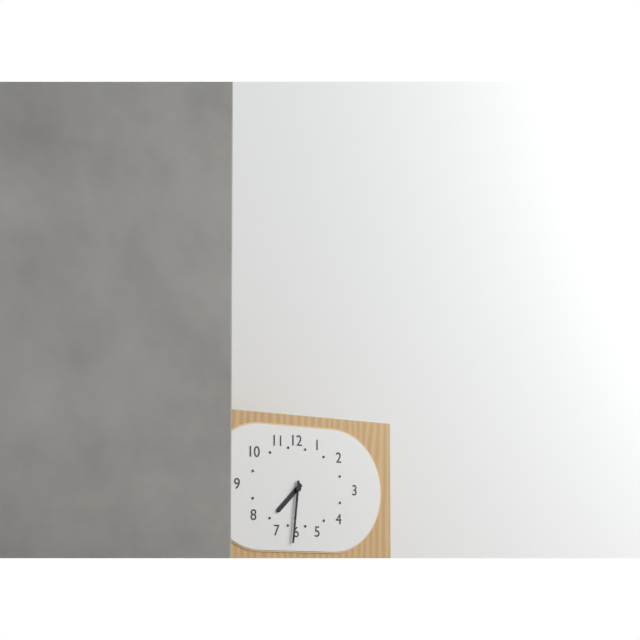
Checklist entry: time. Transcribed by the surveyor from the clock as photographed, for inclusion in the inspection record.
7:31
